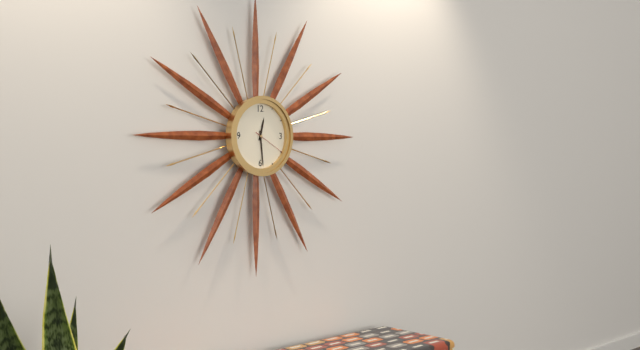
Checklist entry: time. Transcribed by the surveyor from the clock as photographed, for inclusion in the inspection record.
12:29
